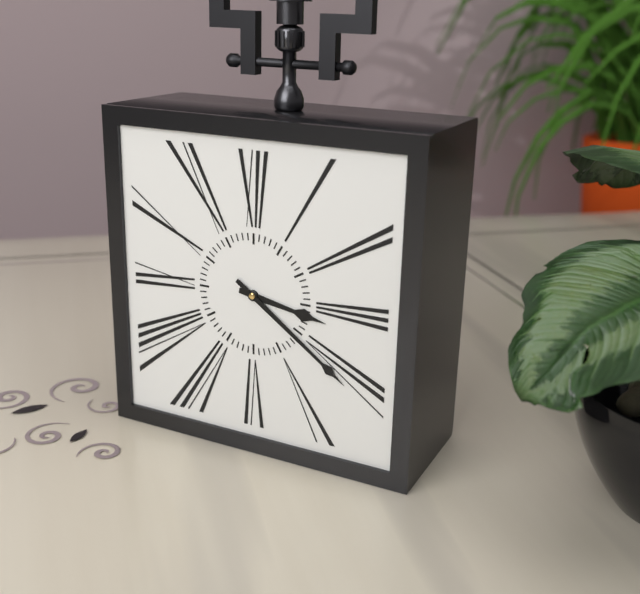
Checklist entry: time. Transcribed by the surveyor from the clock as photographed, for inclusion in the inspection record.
3:21
